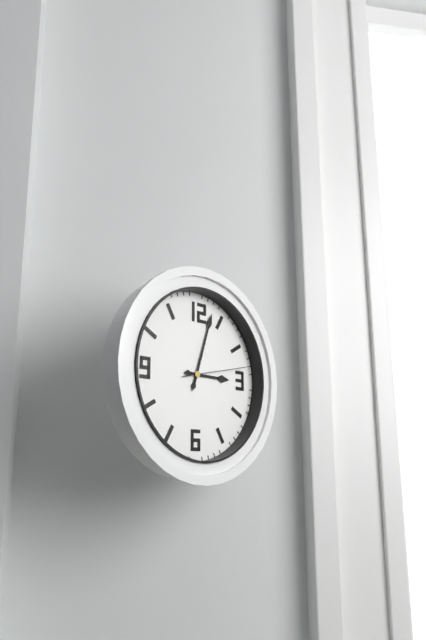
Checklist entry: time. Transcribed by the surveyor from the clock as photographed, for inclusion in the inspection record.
3:03:13
